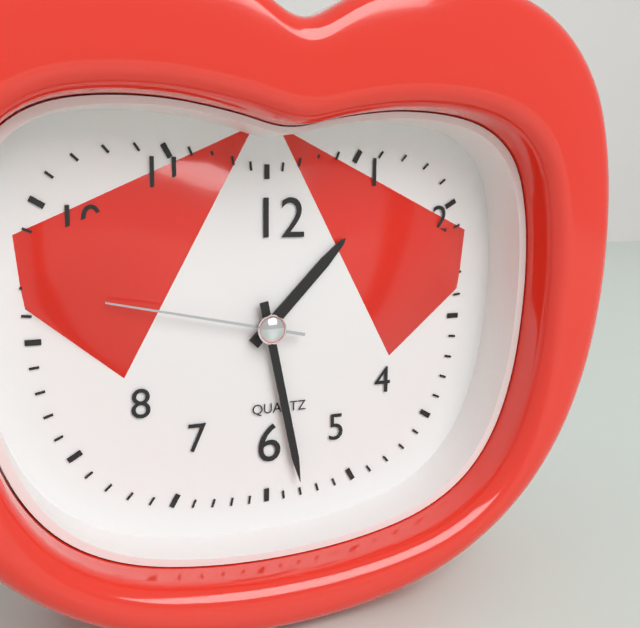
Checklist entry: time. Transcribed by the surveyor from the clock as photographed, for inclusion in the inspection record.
1:28:47
